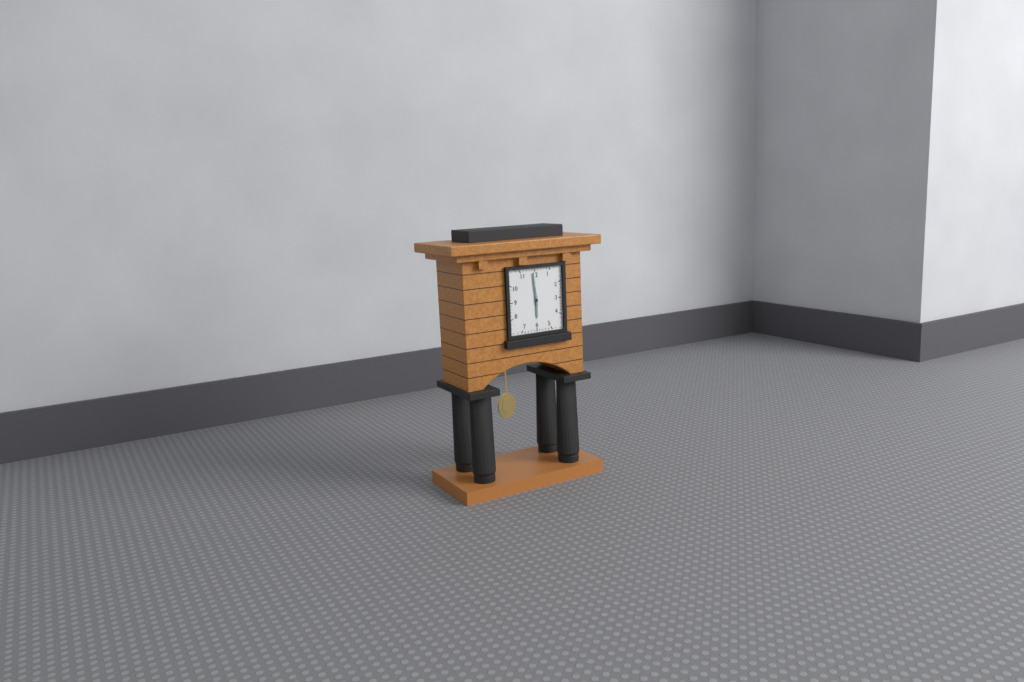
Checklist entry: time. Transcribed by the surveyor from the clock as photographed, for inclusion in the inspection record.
5:59
